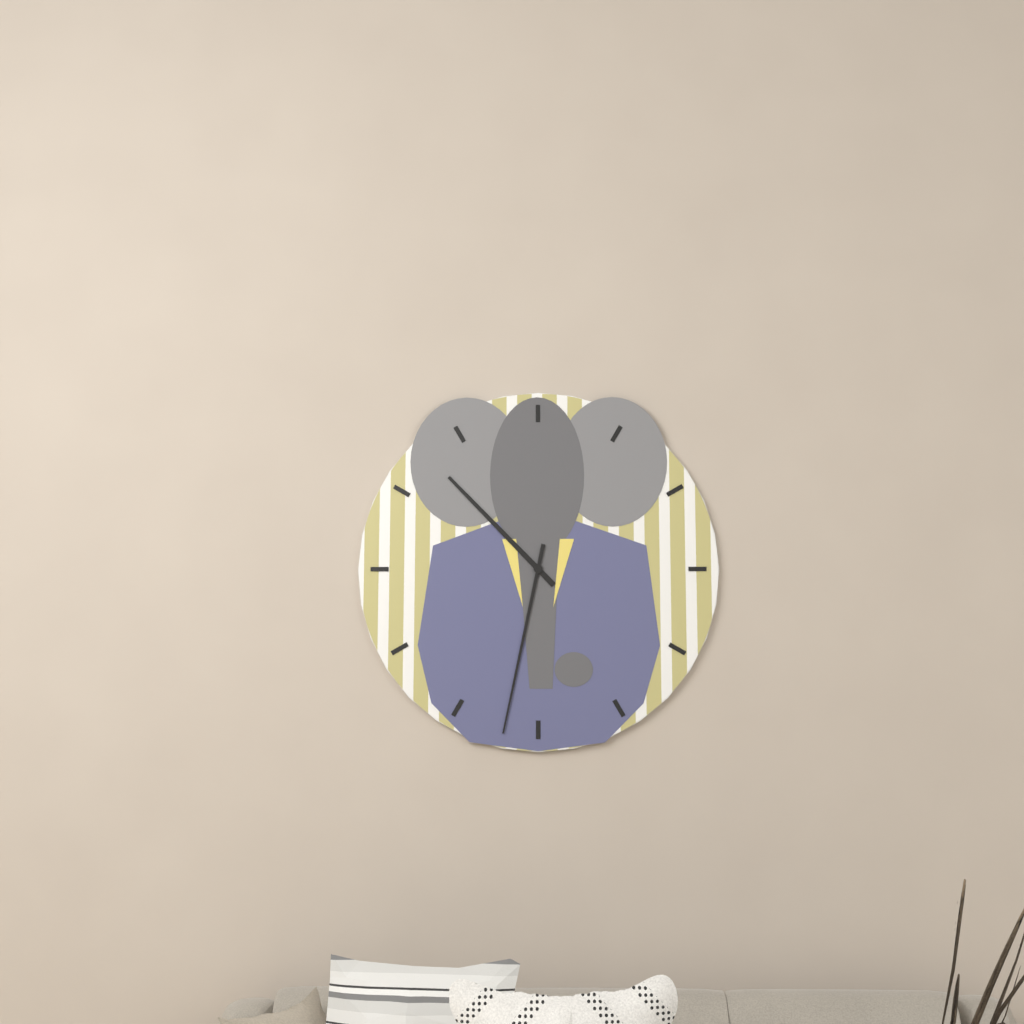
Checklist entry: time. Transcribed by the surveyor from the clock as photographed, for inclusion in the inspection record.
10:32
